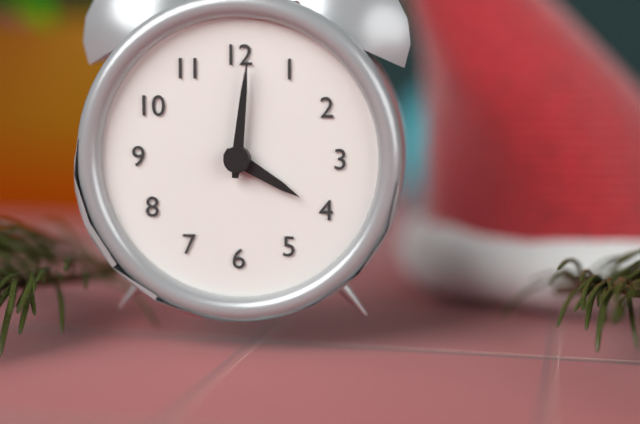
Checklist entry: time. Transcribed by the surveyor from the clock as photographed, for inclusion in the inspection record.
4:01
